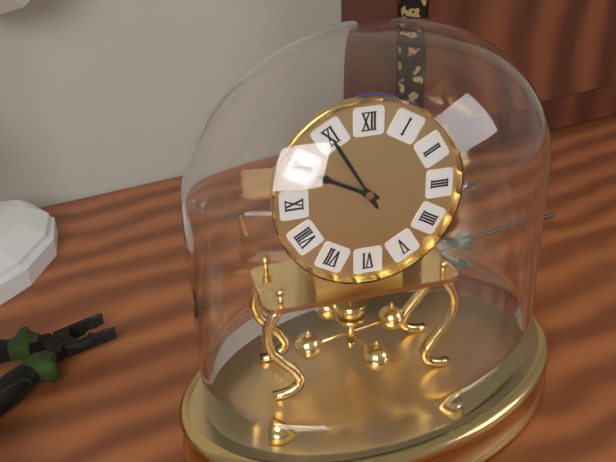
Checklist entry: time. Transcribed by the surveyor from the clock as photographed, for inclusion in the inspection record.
9:55
